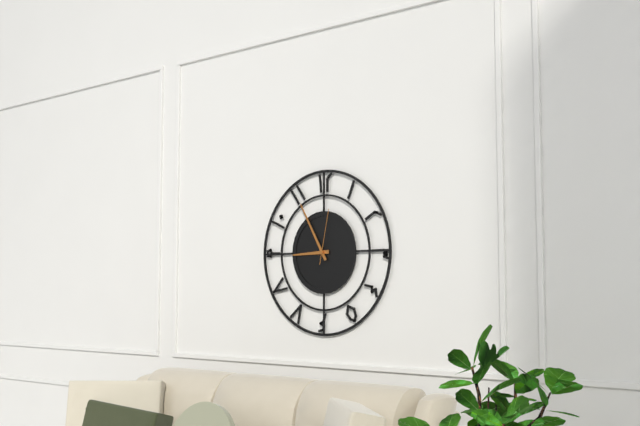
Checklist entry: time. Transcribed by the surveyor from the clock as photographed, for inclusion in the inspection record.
8:55:02
